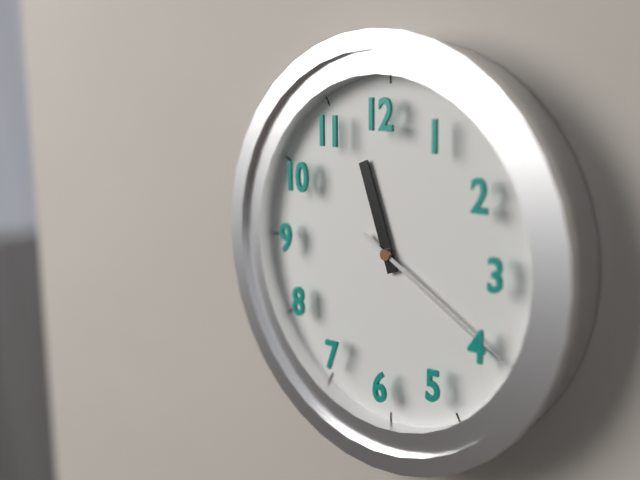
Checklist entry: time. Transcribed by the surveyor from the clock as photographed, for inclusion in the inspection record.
11:20
